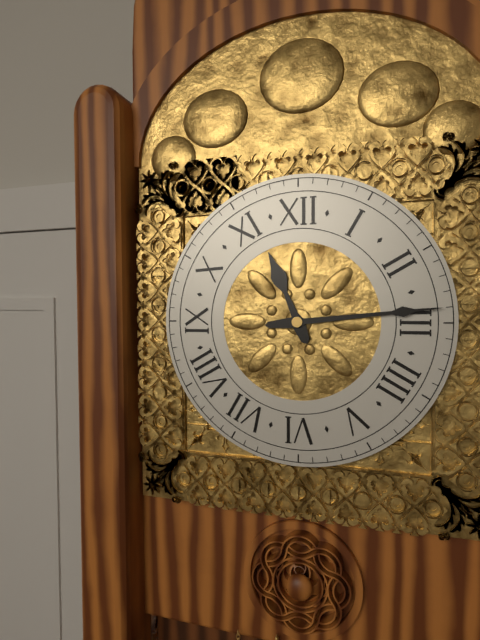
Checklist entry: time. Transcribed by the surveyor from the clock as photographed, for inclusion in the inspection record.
11:14
